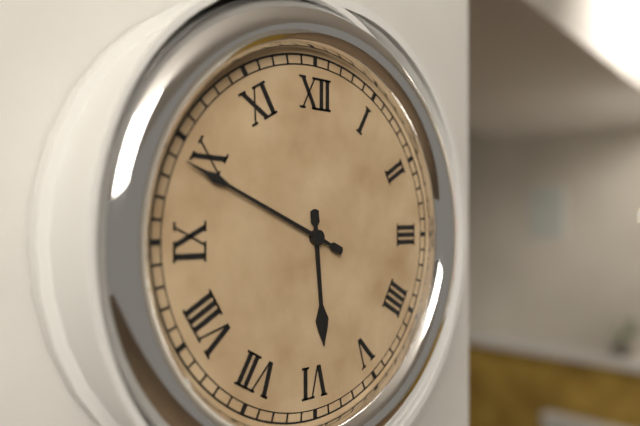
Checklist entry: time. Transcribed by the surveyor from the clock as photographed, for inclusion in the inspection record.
5:49
